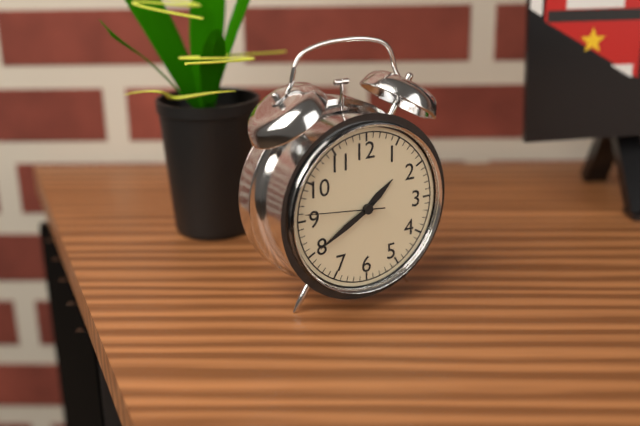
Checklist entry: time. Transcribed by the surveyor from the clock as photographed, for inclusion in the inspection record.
1:40:46
